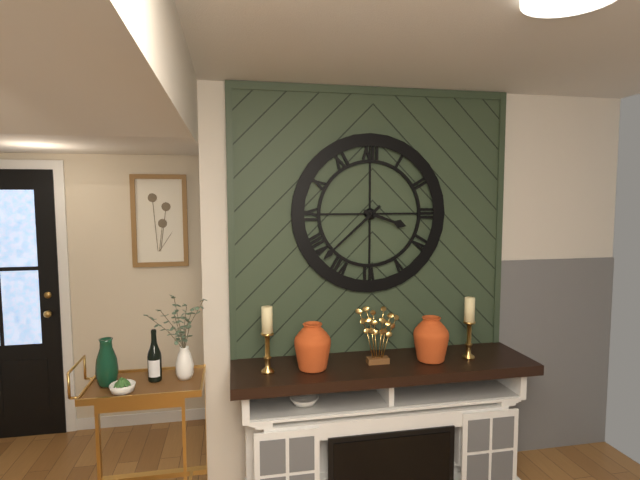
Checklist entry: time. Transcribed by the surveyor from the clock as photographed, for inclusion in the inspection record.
3:38
